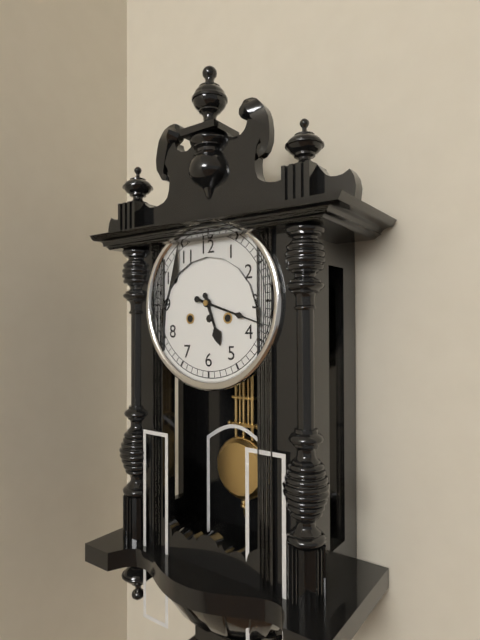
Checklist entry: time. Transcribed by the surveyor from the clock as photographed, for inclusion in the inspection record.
5:18
